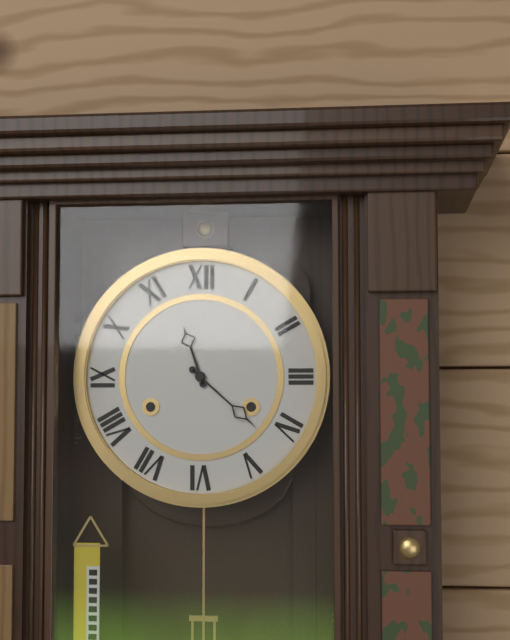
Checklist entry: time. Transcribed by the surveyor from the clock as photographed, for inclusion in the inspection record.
11:22
